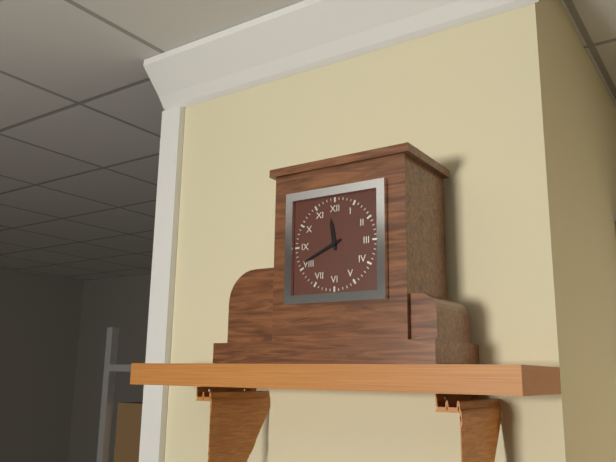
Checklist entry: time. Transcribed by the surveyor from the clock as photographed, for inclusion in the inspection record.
11:41
